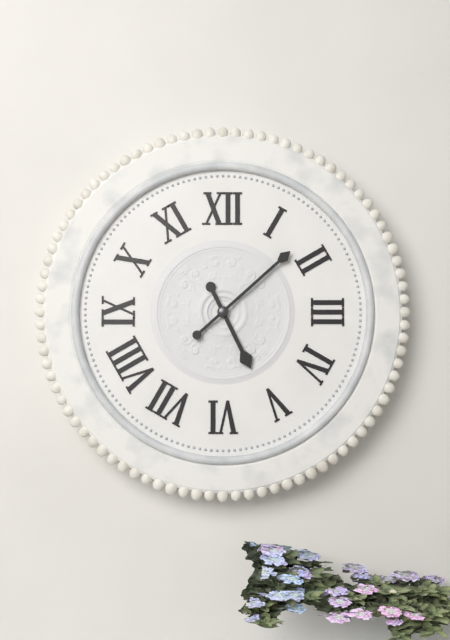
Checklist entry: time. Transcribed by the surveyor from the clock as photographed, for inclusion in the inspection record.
5:08
